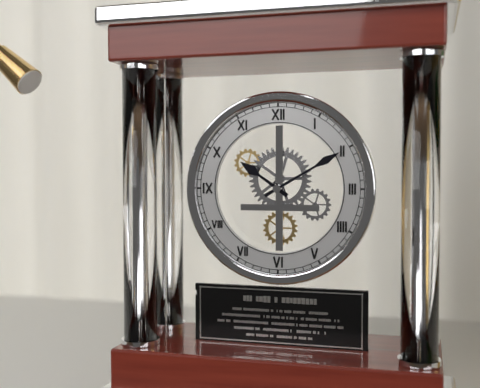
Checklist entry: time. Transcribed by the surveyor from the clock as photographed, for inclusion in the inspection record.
10:10
